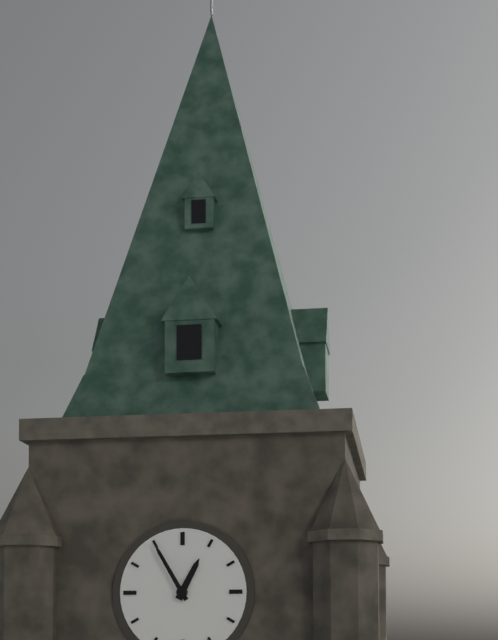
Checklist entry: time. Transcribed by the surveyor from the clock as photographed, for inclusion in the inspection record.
12:55
